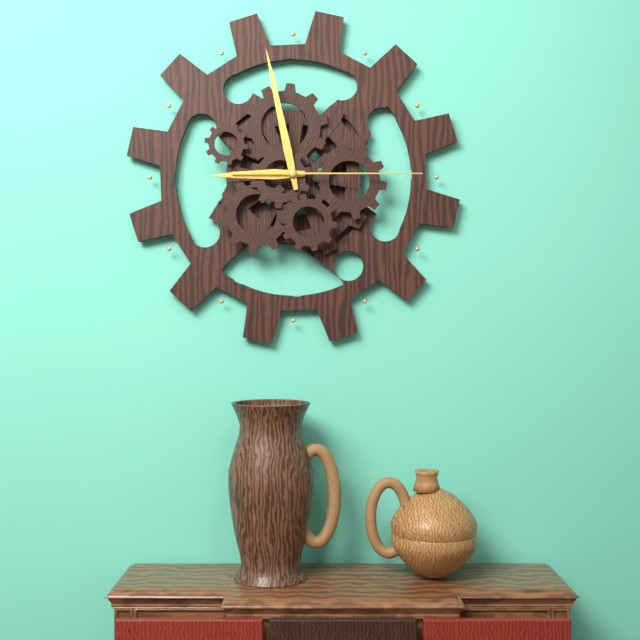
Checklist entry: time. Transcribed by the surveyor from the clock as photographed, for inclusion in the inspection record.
8:58:15
